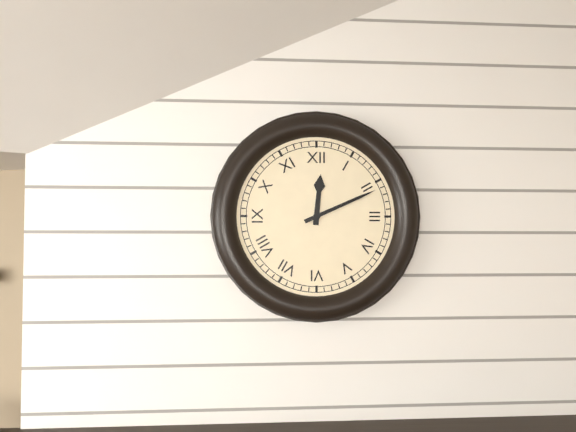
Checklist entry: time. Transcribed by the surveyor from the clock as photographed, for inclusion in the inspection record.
12:11
